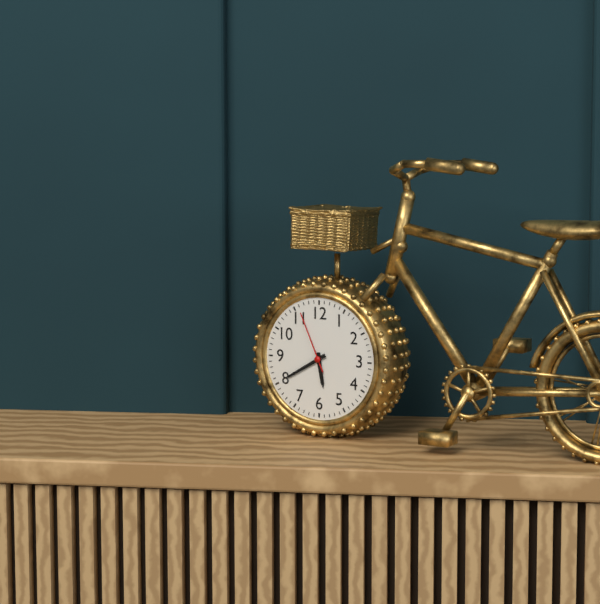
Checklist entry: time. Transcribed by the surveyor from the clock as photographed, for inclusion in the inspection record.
5:40:56
